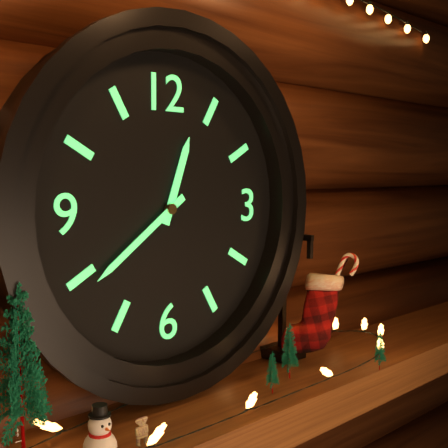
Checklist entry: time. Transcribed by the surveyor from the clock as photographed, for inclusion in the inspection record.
12:39
